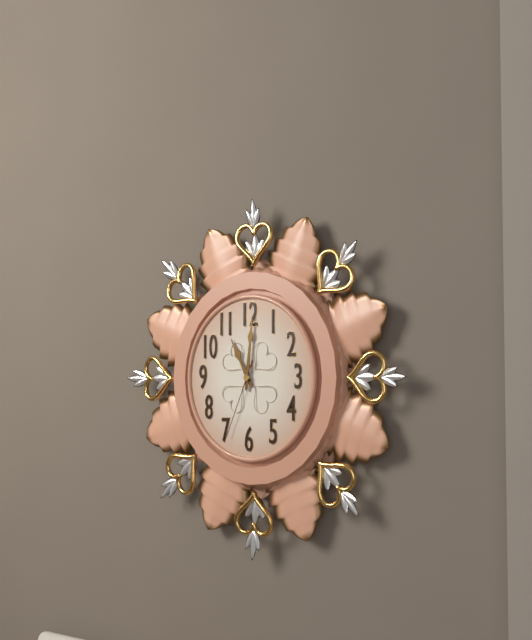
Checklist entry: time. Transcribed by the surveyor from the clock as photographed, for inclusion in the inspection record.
11:01:34
